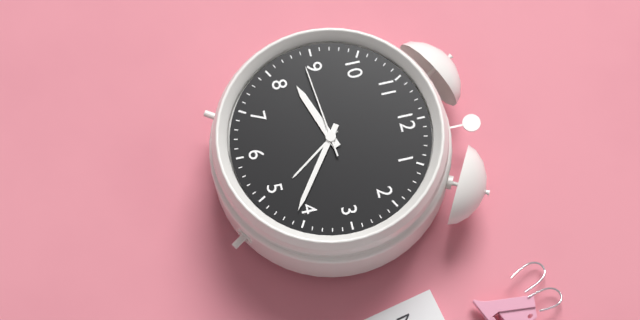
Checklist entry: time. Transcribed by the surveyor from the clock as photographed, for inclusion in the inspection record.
8:21:44
